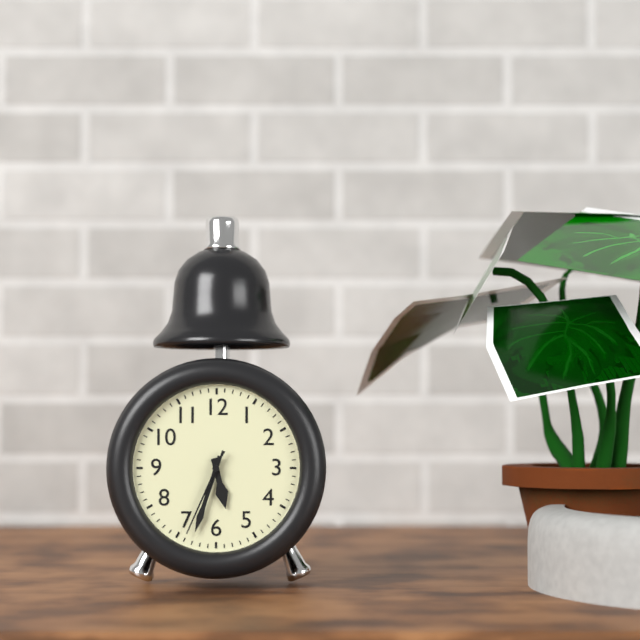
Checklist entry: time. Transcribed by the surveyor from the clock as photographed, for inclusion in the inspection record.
5:33:34
